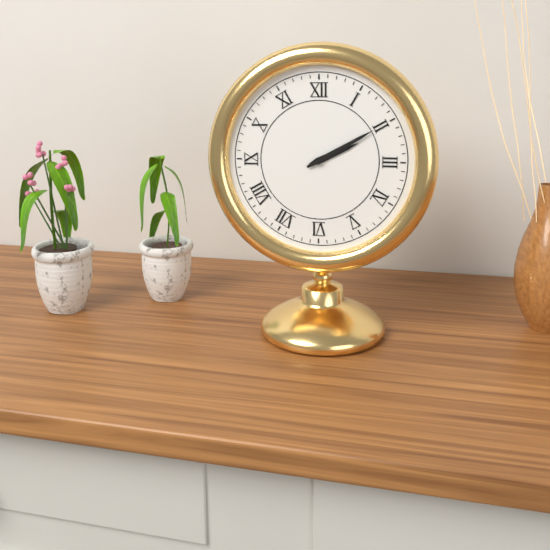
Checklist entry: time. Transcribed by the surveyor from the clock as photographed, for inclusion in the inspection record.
2:10
